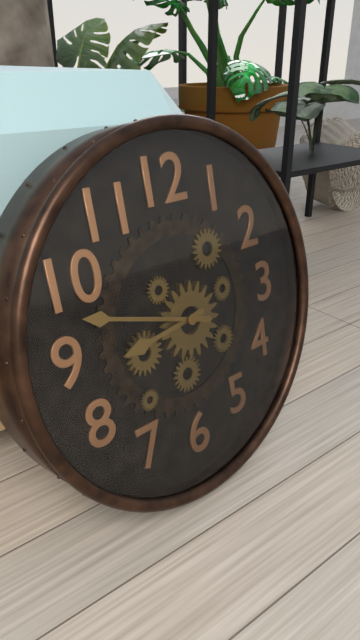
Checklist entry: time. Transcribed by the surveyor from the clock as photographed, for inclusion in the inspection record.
8:48
